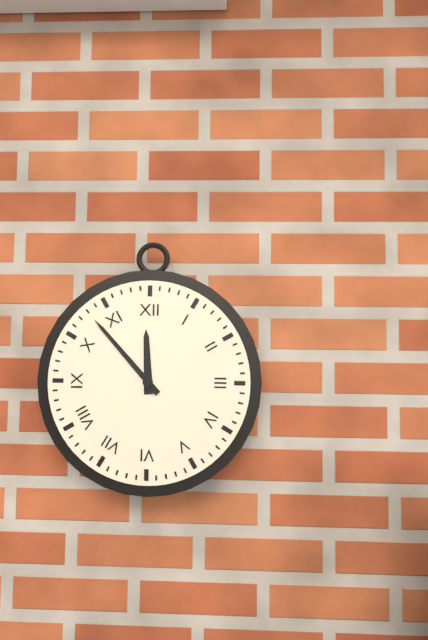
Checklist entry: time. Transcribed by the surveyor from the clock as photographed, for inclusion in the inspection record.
11:53
